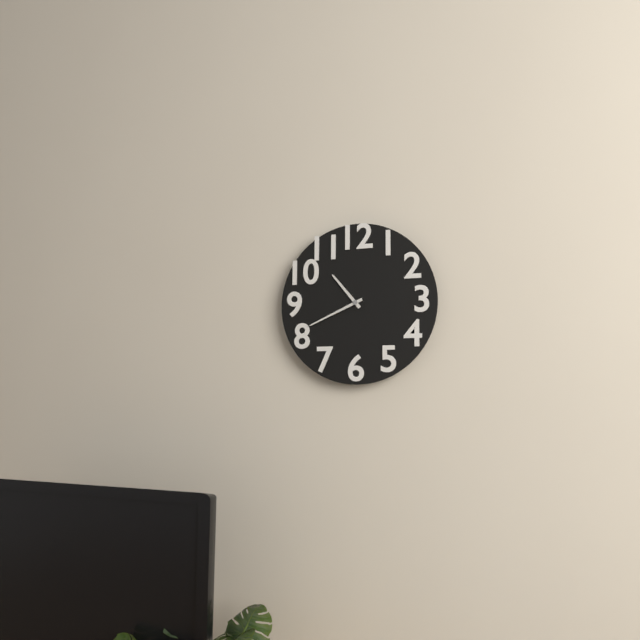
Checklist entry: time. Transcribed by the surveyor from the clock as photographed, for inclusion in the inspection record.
10:41
